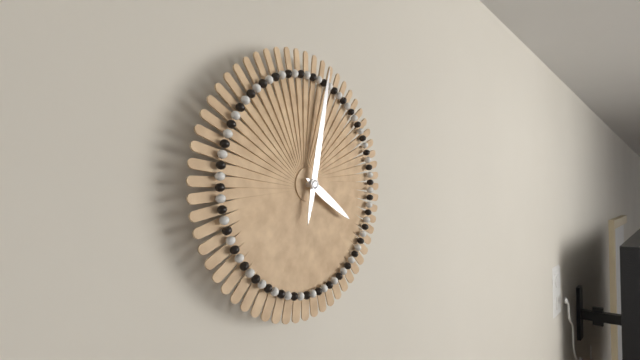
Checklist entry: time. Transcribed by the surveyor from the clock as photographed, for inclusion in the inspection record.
4:02
